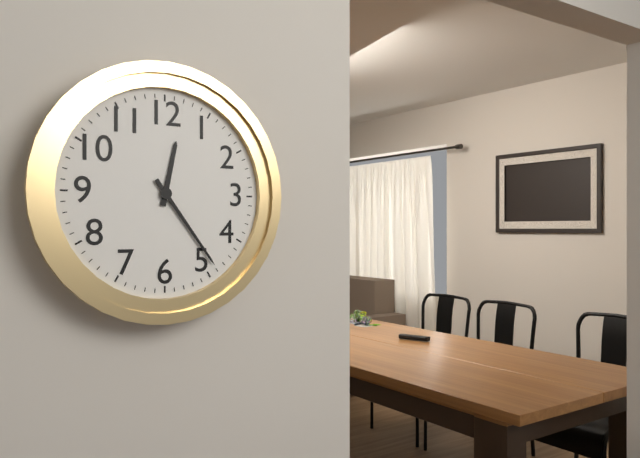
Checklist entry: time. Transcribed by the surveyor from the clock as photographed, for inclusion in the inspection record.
12:24
